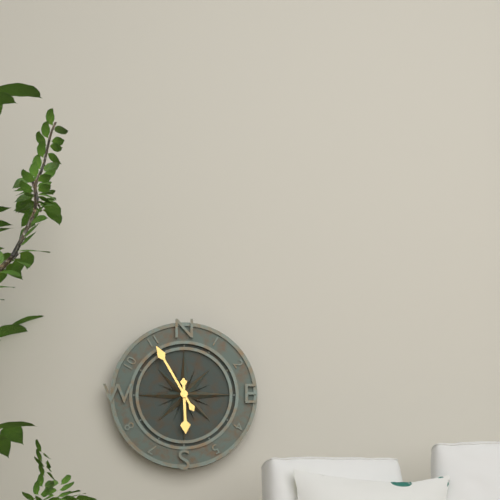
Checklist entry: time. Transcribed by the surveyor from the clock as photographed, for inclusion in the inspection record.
5:55
